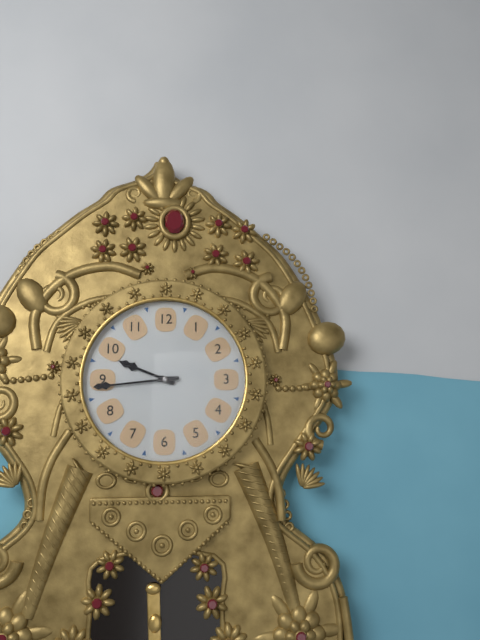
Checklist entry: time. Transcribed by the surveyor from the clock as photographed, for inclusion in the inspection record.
9:44
